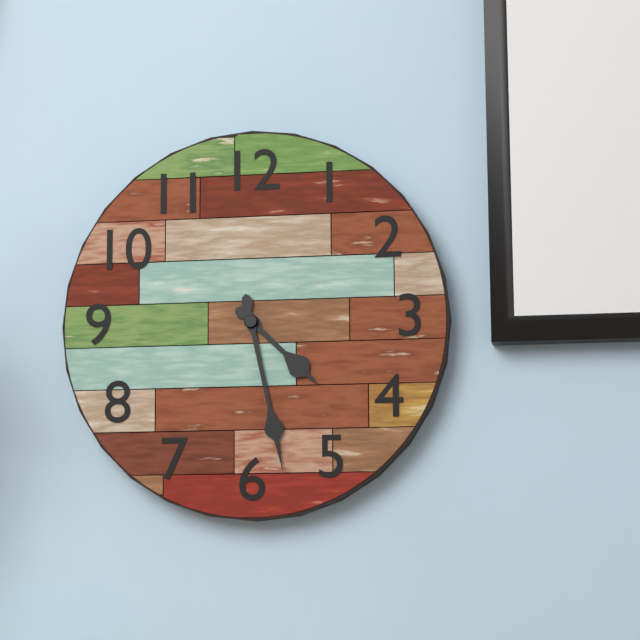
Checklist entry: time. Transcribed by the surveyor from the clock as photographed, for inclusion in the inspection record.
4:28
